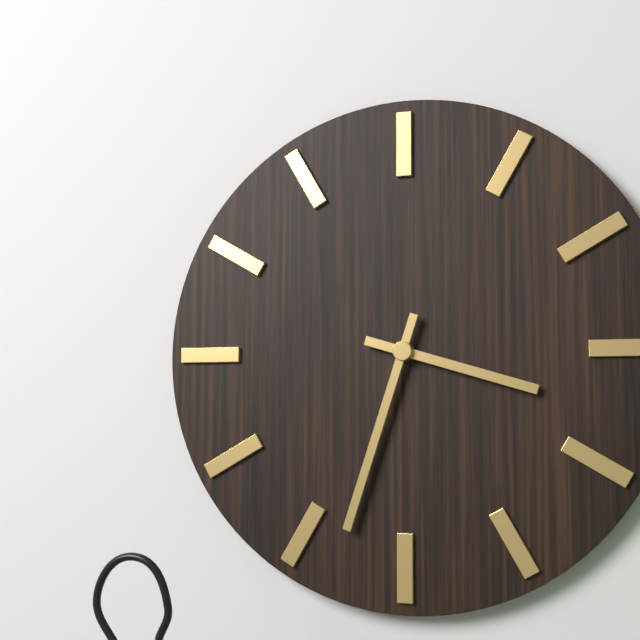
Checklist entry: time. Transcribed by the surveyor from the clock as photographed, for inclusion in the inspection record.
3:33
